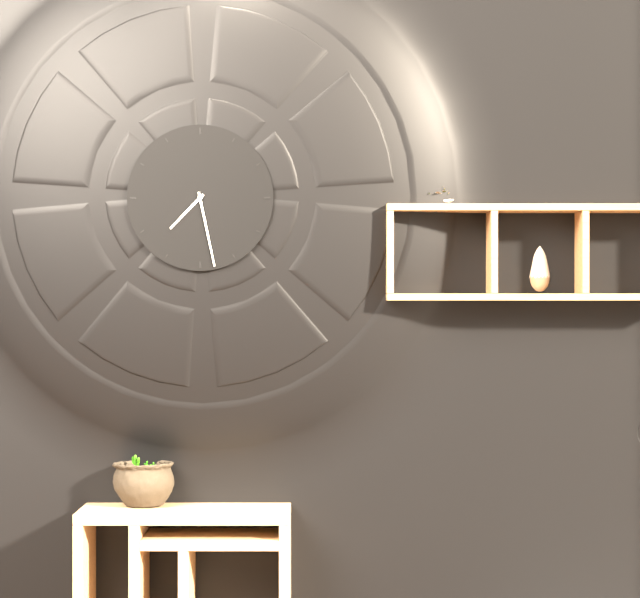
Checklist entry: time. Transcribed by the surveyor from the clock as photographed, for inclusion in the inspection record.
7:28
